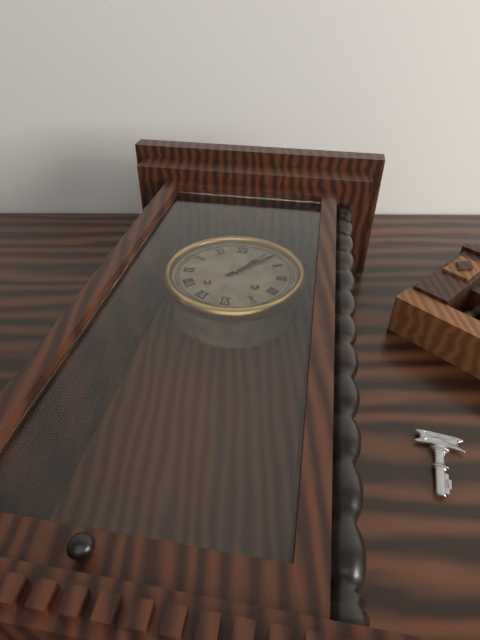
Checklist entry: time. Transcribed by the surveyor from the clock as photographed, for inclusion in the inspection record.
1:07
